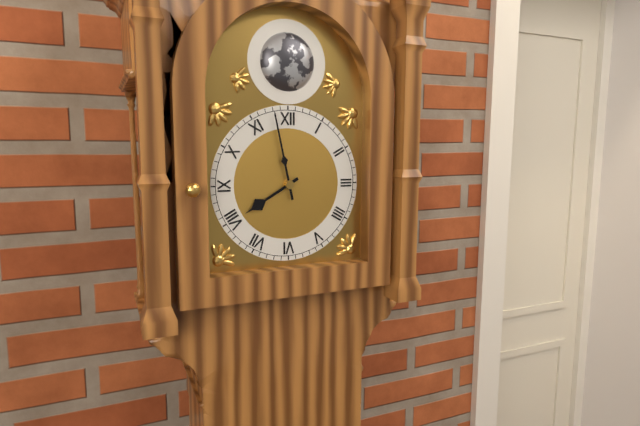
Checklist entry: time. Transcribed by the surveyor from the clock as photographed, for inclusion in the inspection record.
7:58
